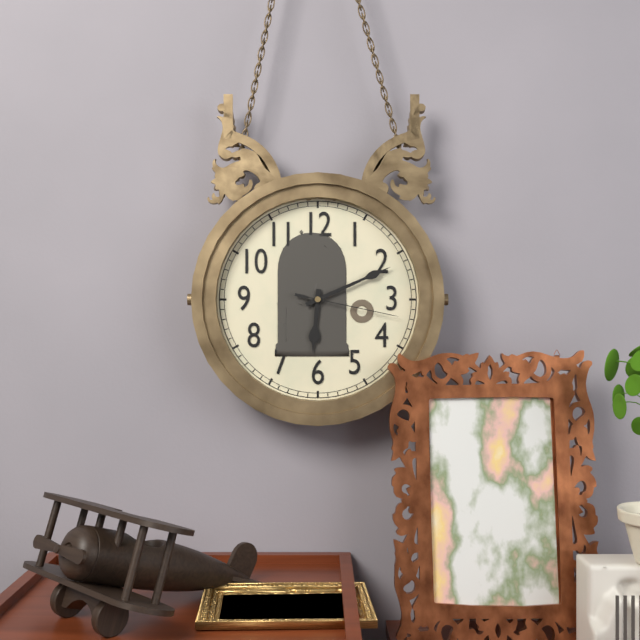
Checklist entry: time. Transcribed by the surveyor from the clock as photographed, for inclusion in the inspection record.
6:11:17
